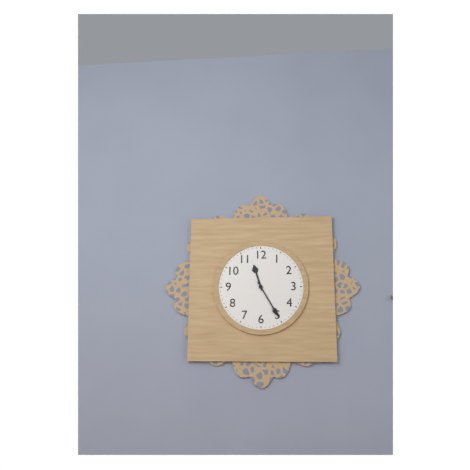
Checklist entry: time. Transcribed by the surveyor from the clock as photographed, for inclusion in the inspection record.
11:25
